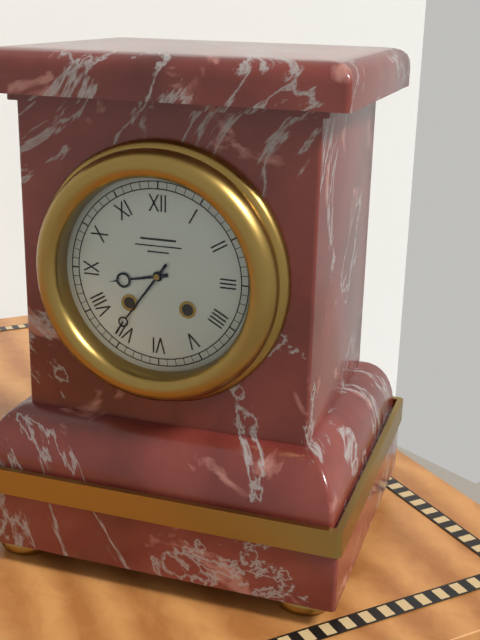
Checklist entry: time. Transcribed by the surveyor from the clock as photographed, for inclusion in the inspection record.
8:36
